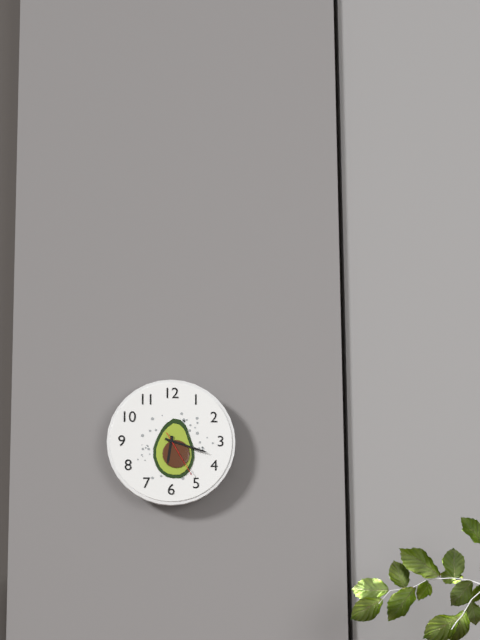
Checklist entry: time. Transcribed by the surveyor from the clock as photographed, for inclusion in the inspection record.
6:18
